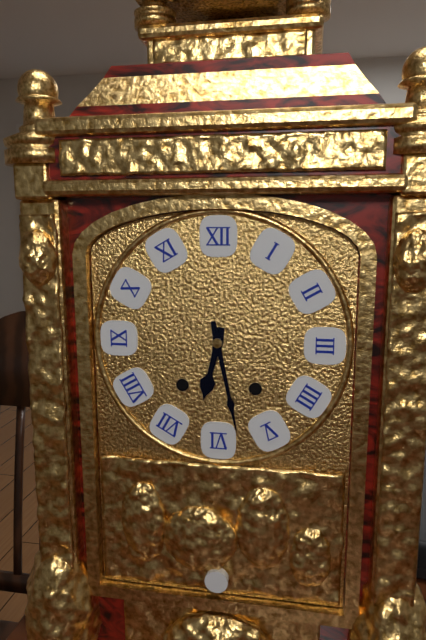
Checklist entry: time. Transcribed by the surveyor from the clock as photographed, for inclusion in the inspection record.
6:28
